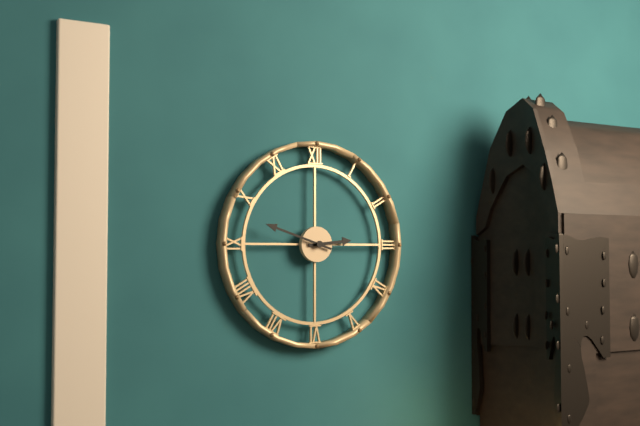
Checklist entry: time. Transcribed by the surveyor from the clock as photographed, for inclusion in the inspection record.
2:48
